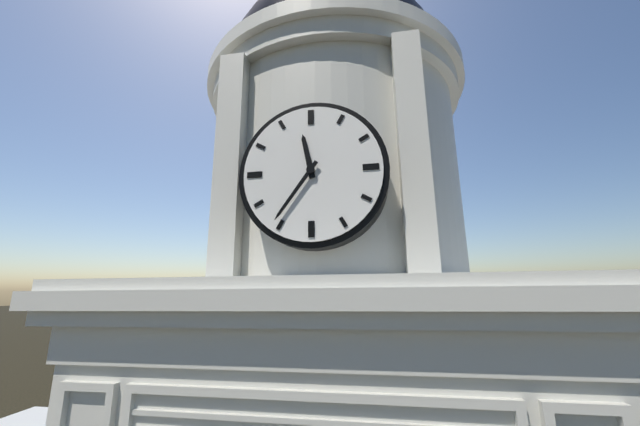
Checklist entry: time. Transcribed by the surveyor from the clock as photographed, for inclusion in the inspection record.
11:36
